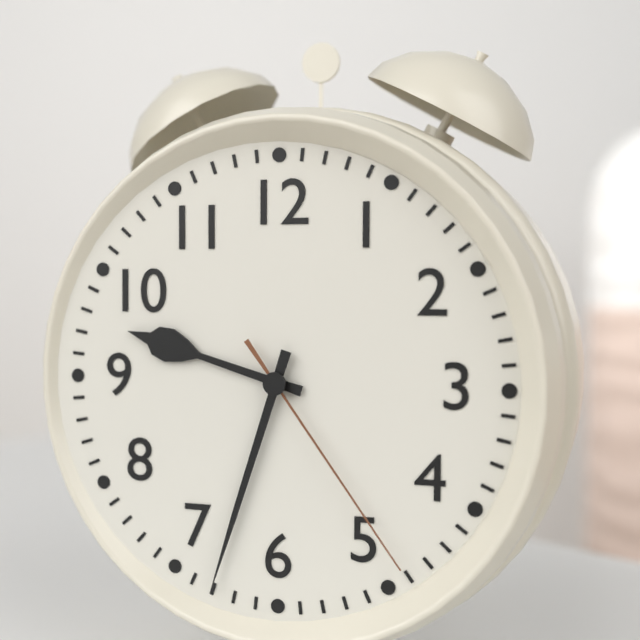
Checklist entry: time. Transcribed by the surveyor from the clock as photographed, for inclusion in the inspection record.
9:33:24
